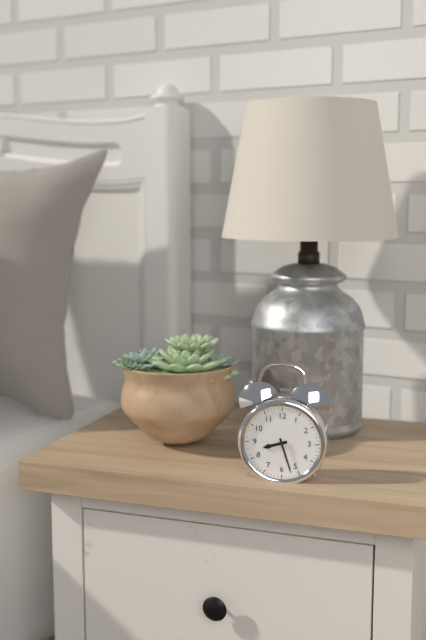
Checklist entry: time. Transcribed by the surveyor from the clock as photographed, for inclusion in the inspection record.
8:27
